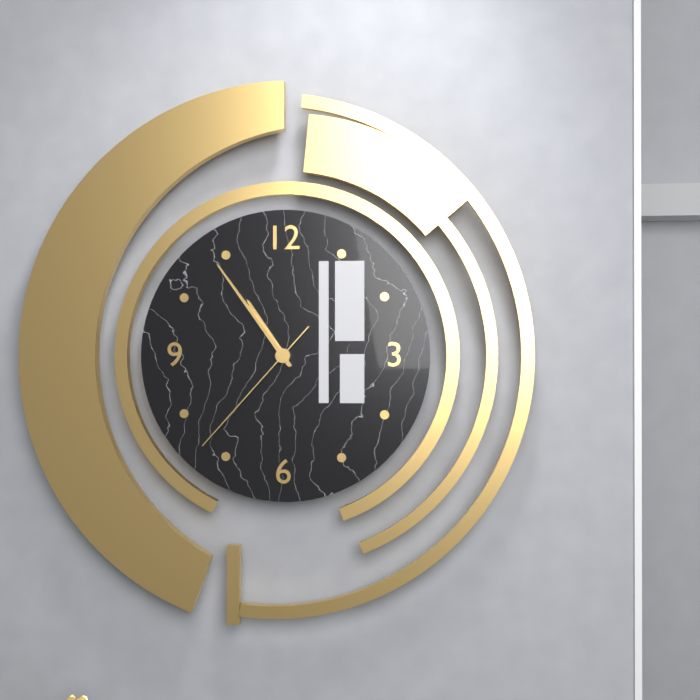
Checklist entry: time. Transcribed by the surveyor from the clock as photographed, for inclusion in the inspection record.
10:54:37
